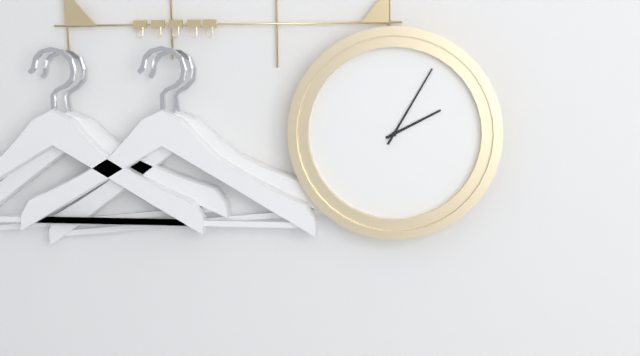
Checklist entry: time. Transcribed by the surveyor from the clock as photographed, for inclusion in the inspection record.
2:05
